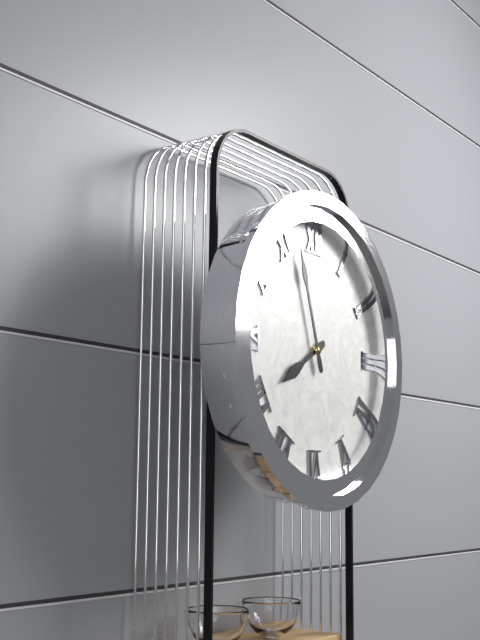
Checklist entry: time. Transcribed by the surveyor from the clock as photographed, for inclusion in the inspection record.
7:57
